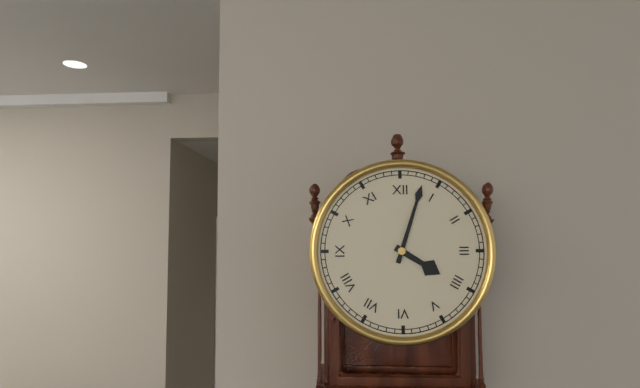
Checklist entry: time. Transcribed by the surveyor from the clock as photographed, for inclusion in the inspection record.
4:03
